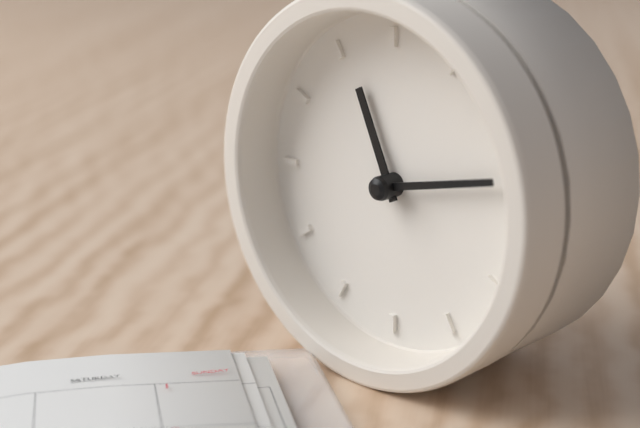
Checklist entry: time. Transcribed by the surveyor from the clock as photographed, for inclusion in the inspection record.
11:13
